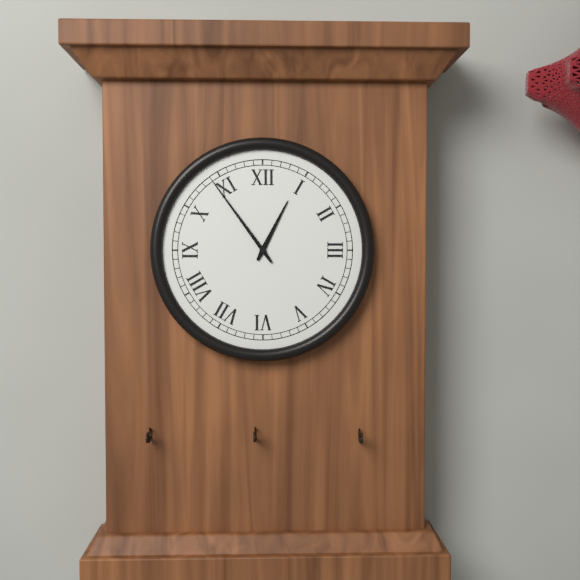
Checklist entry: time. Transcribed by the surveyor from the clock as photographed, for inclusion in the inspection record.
12:54
